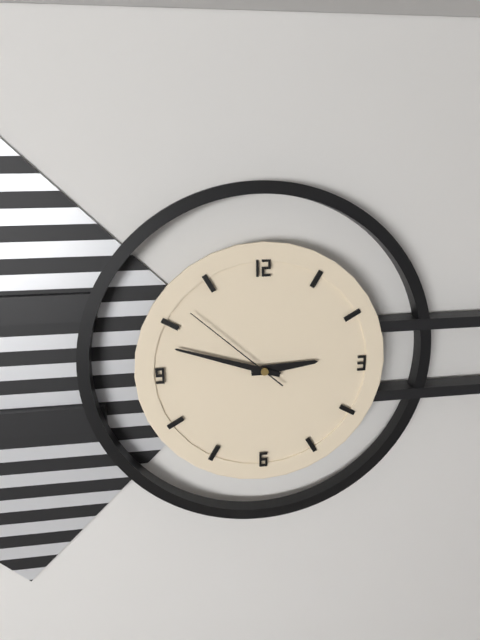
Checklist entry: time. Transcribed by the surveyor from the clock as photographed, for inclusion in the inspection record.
2:48:52
